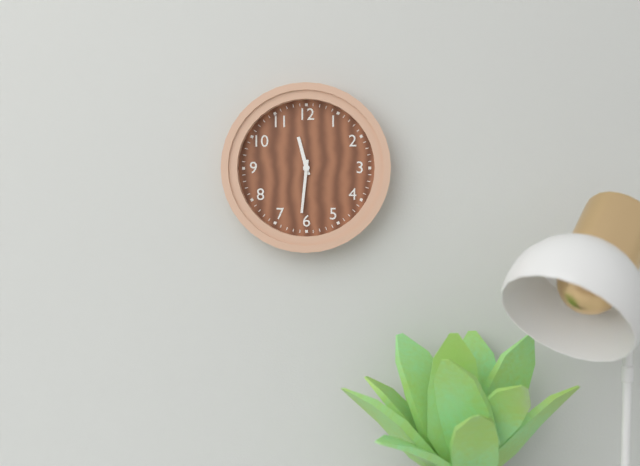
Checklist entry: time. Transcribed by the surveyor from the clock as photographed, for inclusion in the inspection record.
11:31
